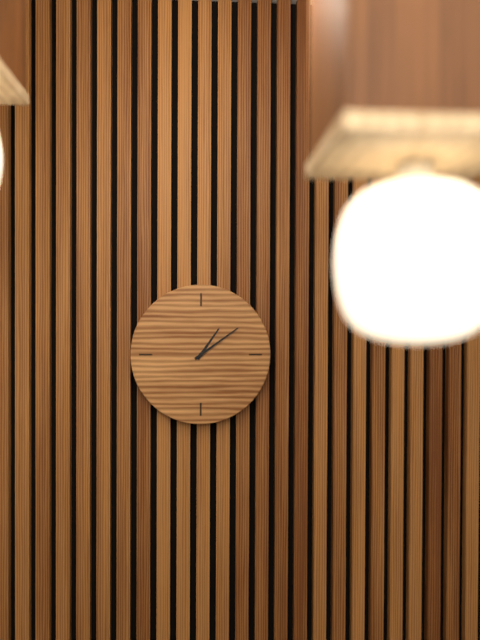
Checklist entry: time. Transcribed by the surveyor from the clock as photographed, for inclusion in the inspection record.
1:09
